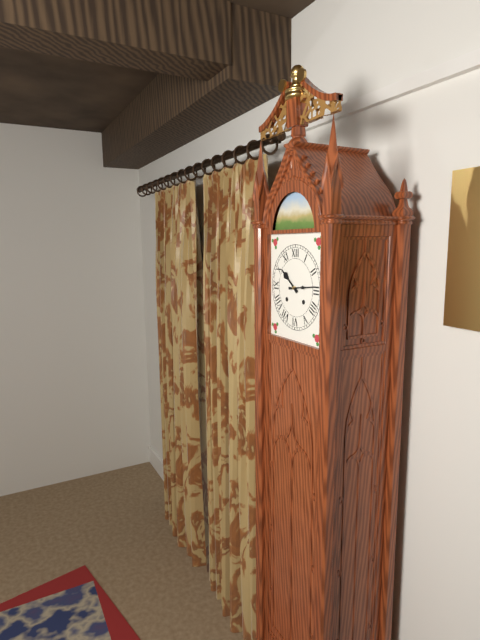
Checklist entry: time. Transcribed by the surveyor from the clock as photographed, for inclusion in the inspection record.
10:14
